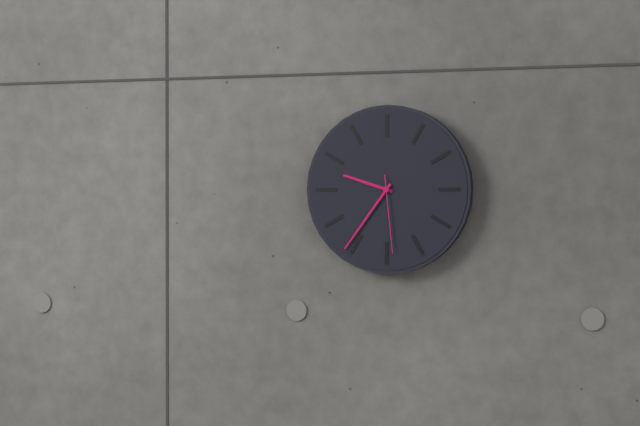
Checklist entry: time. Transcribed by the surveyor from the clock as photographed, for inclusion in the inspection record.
9:36:29
